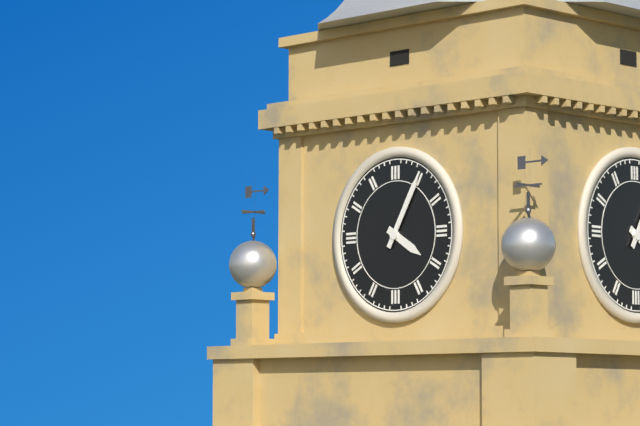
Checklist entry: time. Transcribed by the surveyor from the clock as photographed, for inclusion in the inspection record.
4:05
